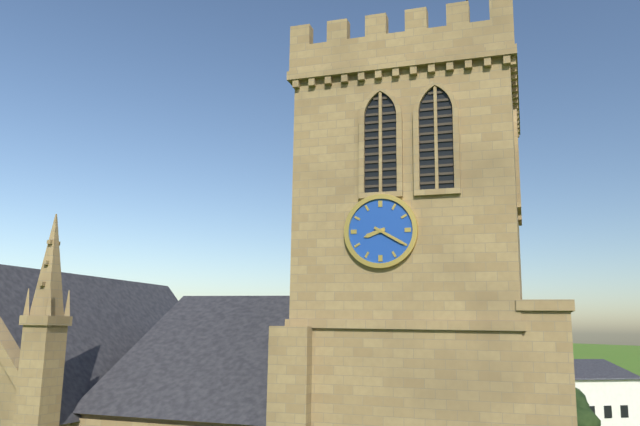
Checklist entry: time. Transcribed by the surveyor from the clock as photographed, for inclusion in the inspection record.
8:20
